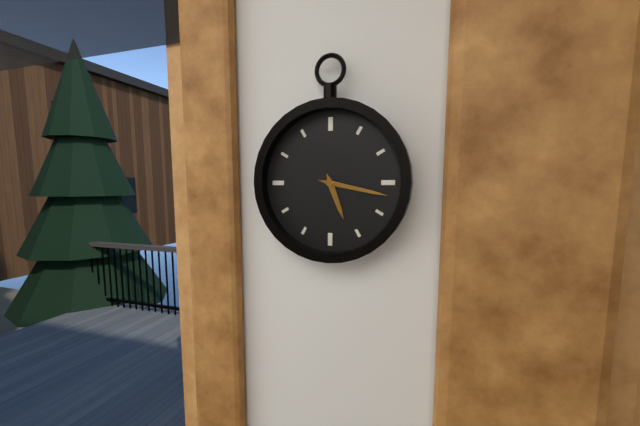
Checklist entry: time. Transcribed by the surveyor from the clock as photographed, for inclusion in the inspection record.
5:17
